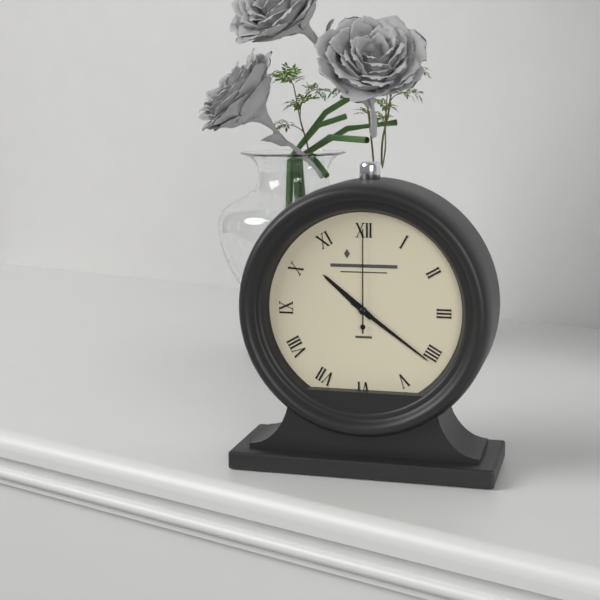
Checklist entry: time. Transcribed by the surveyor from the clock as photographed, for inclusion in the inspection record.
10:21:00
